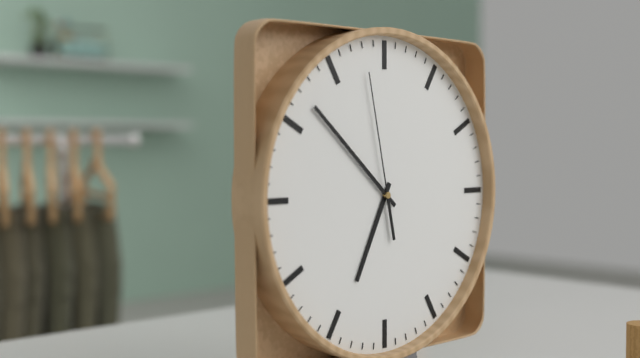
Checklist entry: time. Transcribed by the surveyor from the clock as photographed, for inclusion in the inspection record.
6:52:58
